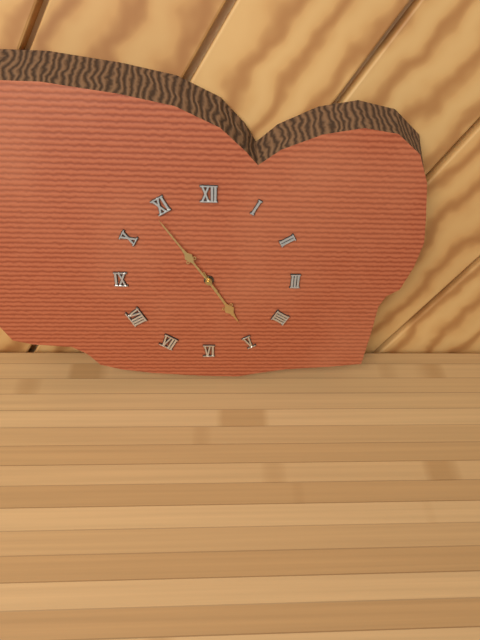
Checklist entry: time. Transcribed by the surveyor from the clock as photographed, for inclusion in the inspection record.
4:54
